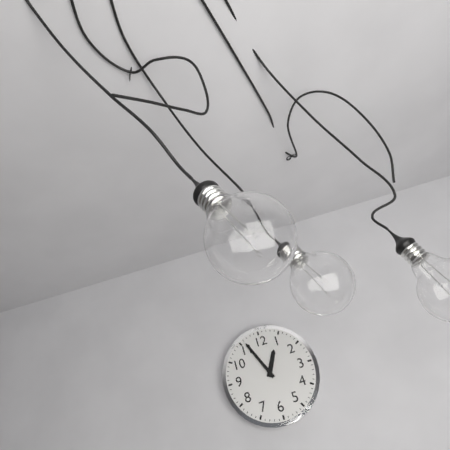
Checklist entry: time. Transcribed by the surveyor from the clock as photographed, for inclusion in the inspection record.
12:56
